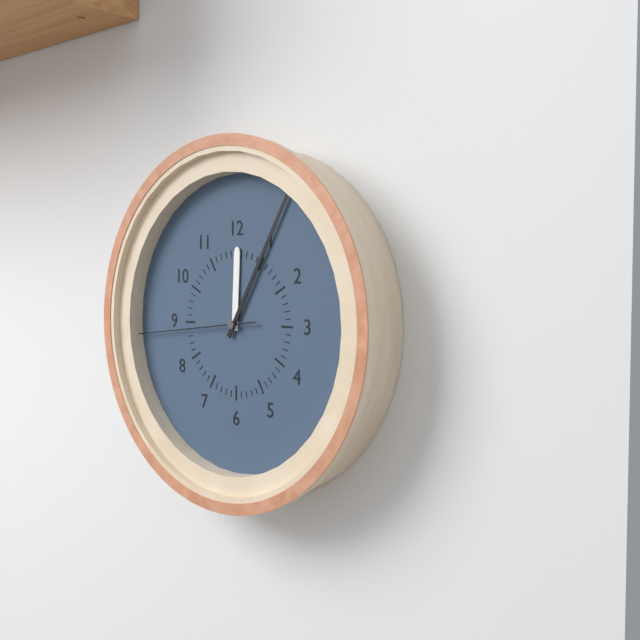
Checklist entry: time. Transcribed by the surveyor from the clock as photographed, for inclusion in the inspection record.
12:05:44
